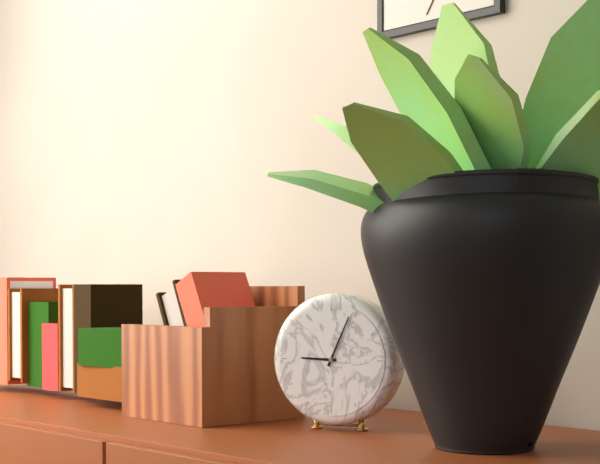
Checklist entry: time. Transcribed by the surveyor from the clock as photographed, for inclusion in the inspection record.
9:04
